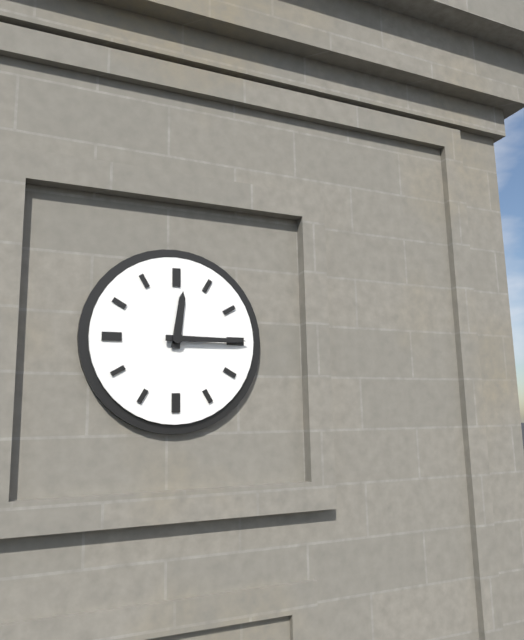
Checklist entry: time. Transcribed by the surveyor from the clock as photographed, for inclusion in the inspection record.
12:15
